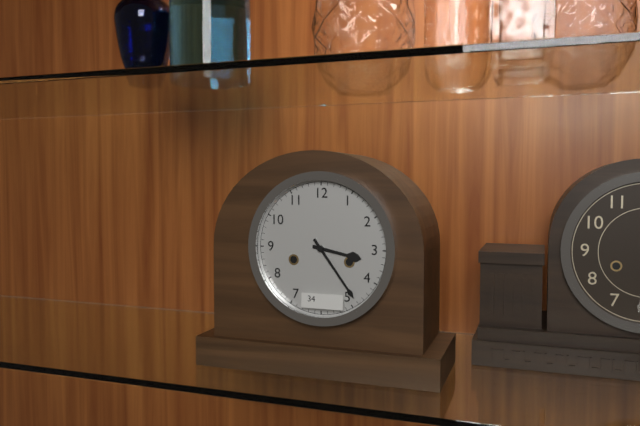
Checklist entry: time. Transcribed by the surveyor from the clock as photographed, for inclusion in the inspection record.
3:24
